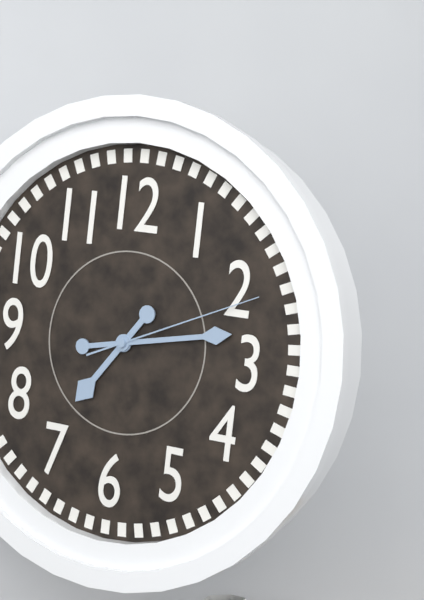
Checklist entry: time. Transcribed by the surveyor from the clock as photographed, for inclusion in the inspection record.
7:13:11
